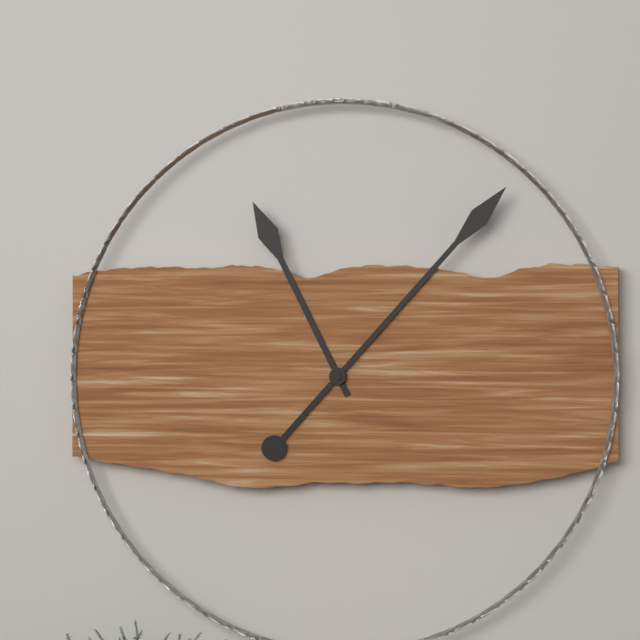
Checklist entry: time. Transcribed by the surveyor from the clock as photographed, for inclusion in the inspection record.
11:07
